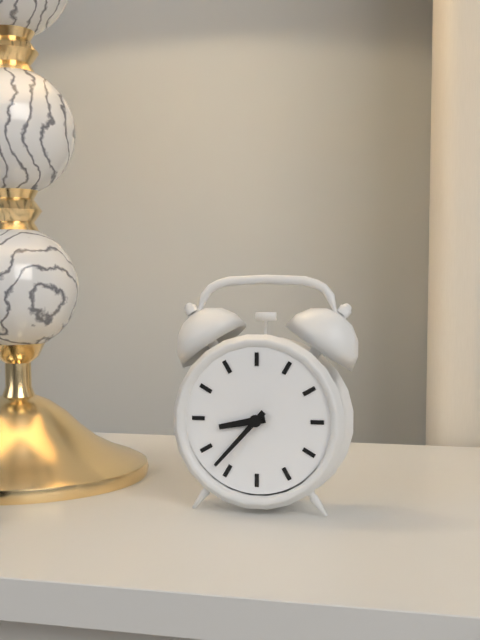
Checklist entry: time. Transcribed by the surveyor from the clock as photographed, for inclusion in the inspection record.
8:37
